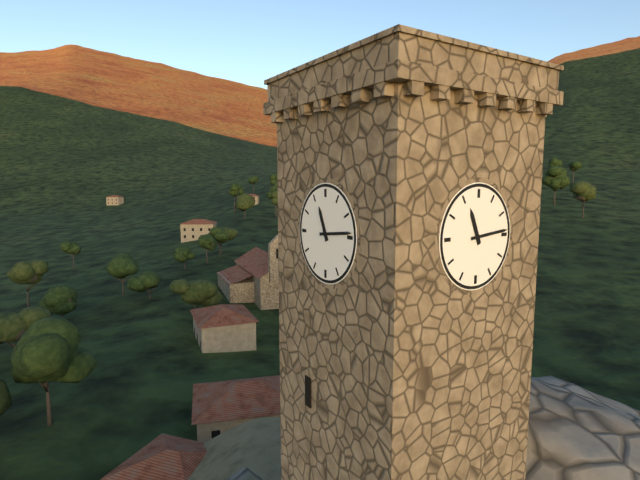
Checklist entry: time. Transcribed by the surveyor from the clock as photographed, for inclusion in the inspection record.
11:14
